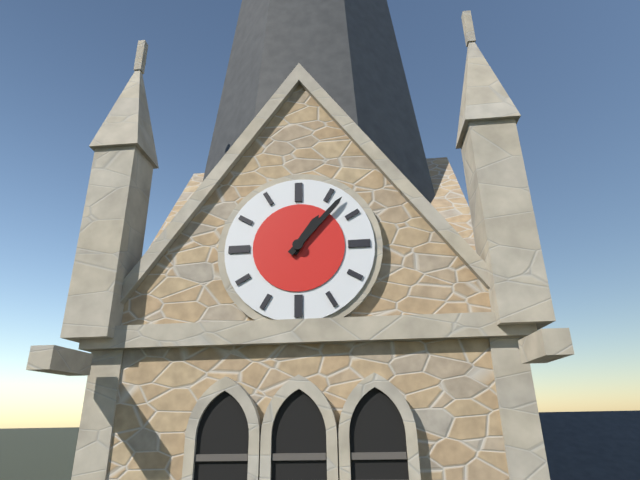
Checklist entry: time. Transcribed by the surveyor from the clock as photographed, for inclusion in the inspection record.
1:07
